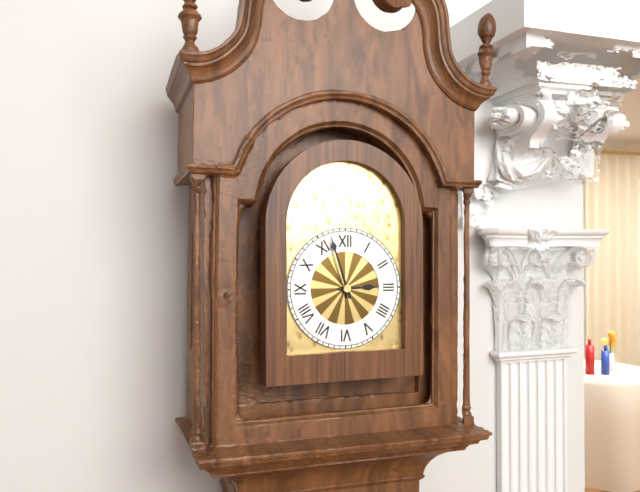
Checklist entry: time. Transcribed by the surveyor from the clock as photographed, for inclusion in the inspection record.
2:57
